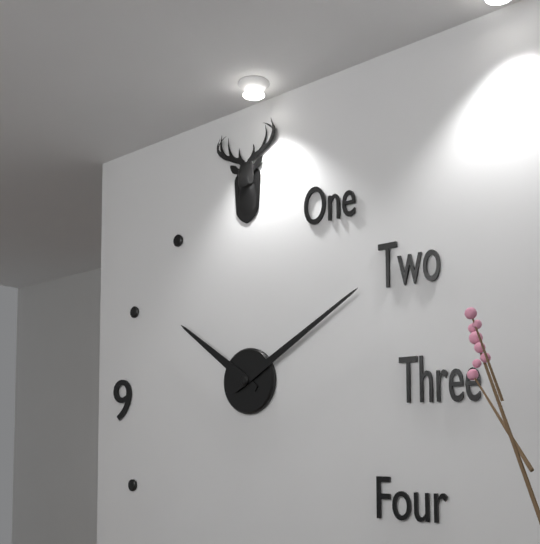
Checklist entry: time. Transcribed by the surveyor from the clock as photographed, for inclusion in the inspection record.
10:10
